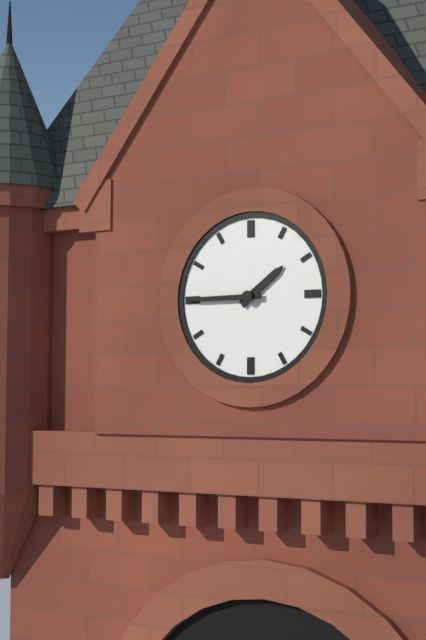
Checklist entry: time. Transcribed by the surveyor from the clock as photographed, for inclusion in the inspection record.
1:45
